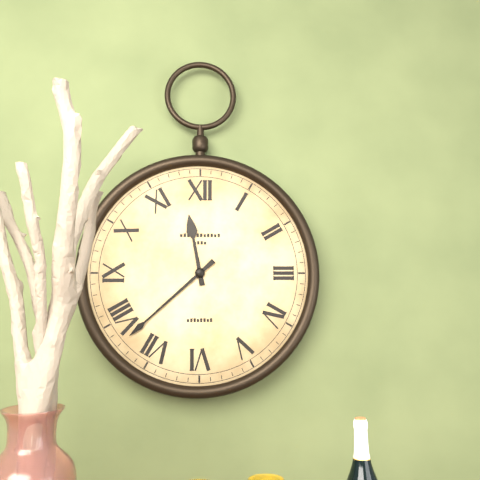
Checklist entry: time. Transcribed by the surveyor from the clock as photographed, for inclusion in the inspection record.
11:38
